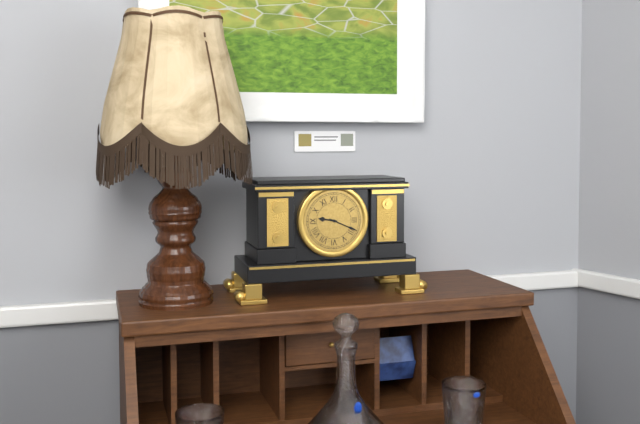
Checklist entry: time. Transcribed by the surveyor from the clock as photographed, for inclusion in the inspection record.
9:19
